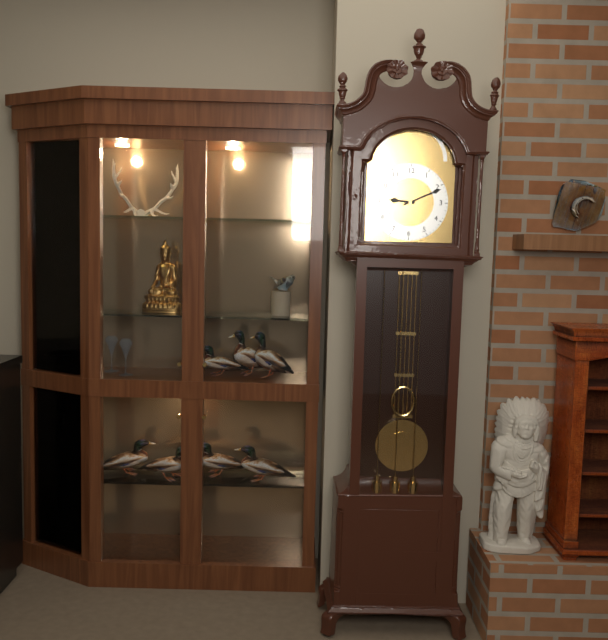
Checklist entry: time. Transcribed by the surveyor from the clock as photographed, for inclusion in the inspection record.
9:11
